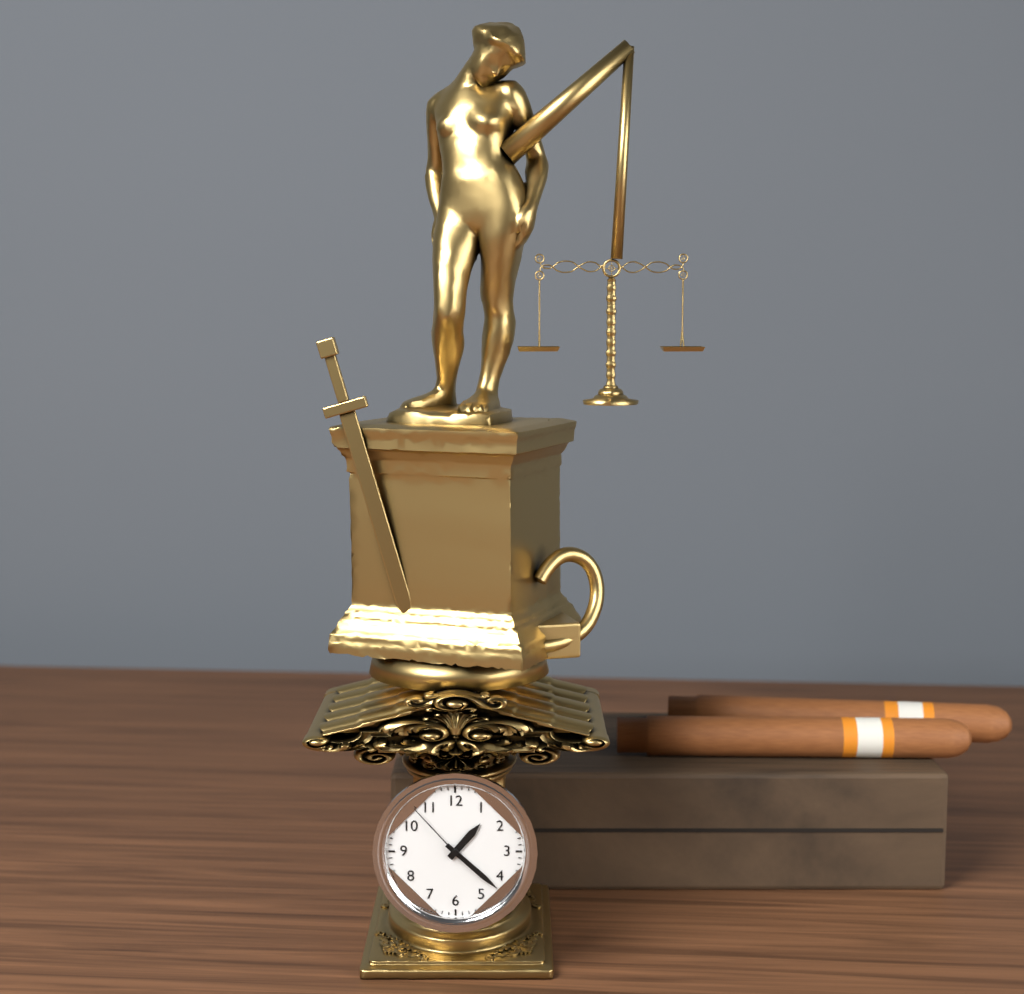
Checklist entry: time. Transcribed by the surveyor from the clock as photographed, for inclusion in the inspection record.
1:22:53
